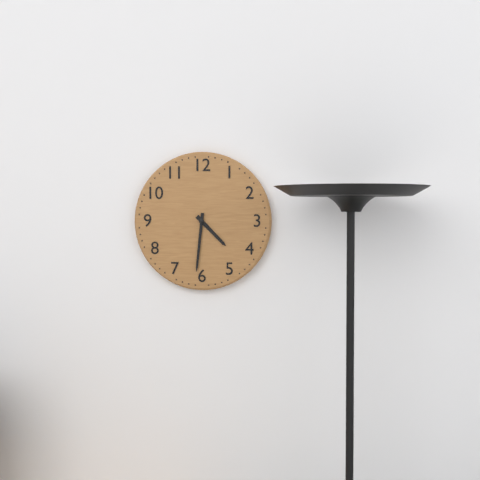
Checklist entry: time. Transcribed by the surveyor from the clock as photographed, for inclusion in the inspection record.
4:31
